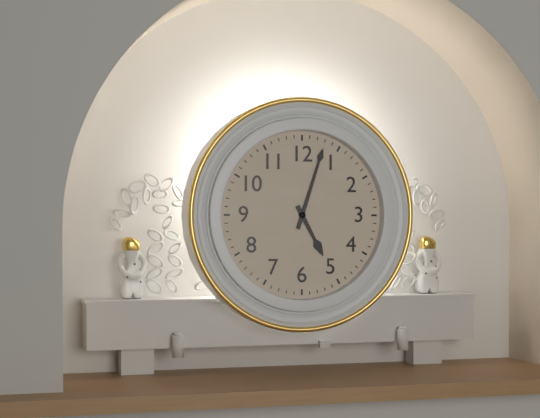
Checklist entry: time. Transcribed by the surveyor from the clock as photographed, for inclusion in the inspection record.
5:03
